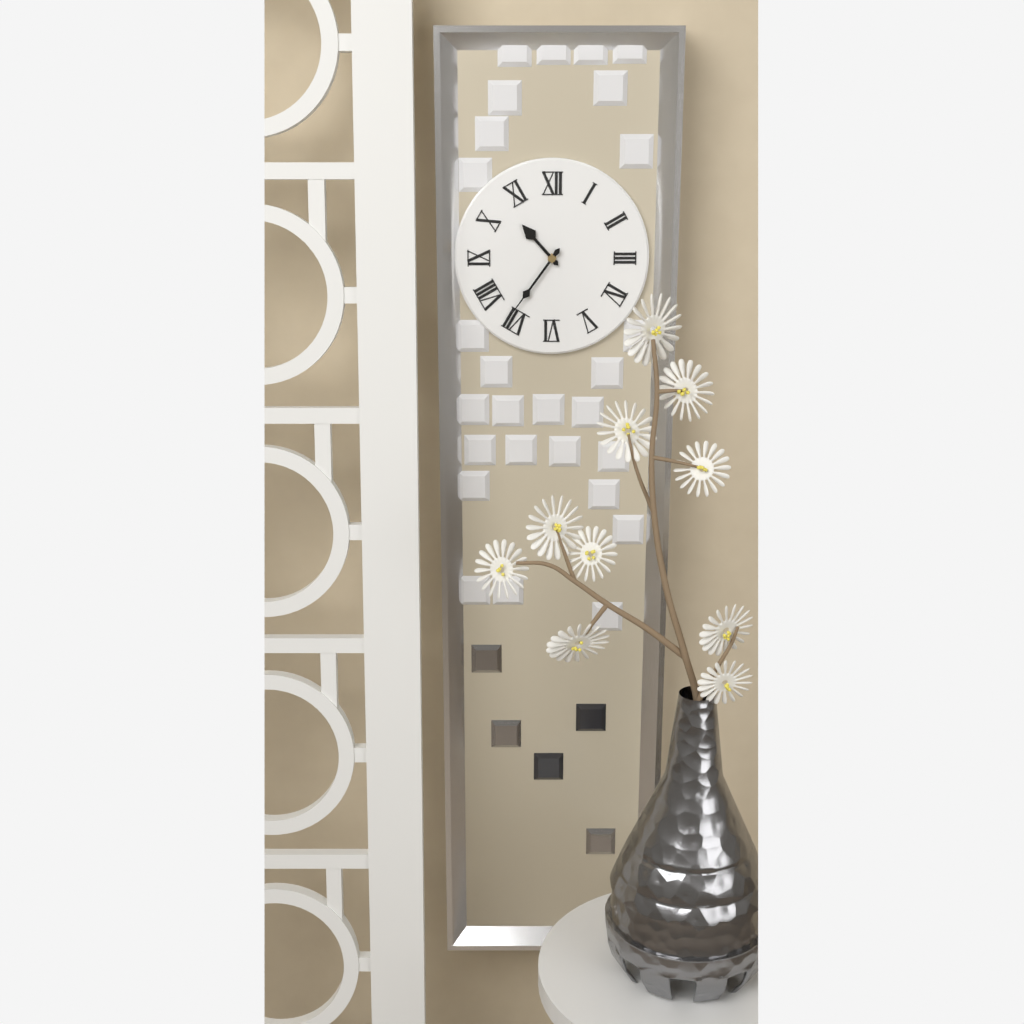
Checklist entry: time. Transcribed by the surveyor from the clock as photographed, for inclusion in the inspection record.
10:36
